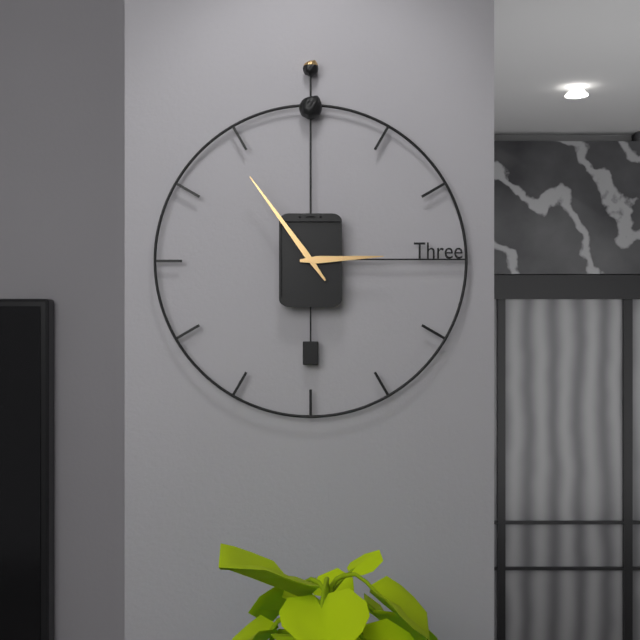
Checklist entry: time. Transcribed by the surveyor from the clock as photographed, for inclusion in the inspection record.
2:54
